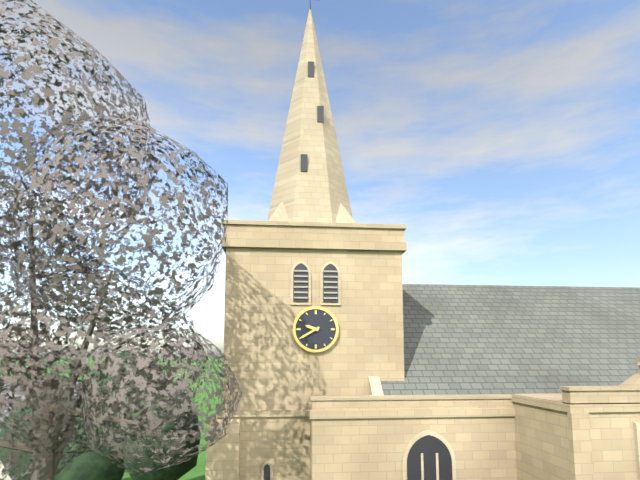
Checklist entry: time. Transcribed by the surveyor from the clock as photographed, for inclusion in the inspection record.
9:40
